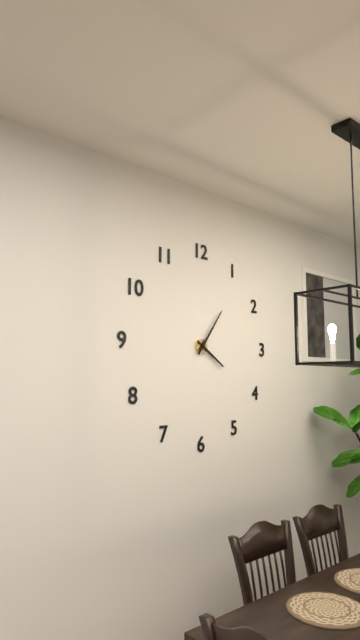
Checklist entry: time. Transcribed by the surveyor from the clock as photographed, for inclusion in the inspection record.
4:06
